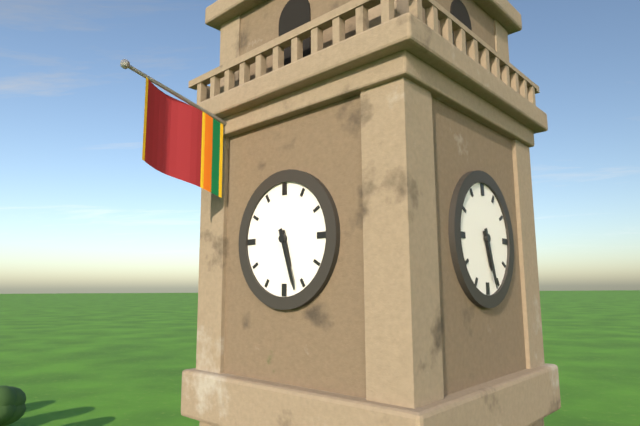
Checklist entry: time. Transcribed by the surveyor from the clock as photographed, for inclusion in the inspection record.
5:27
